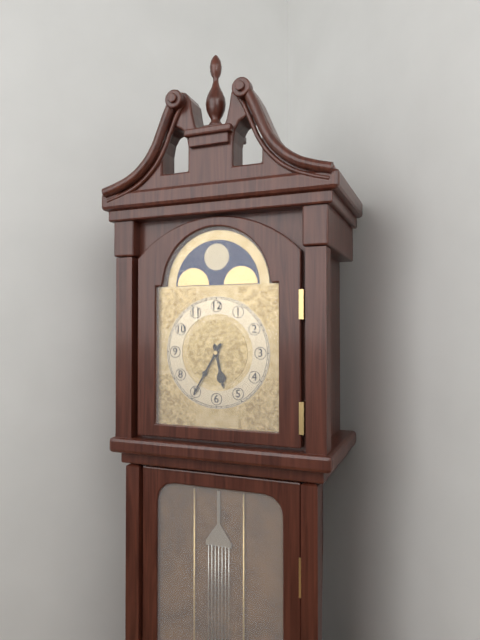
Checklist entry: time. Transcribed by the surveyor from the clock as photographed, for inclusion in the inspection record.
5:35
